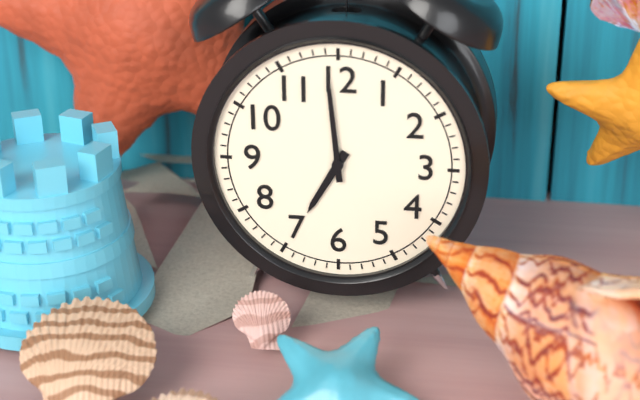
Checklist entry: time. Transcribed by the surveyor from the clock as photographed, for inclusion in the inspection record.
6:59
